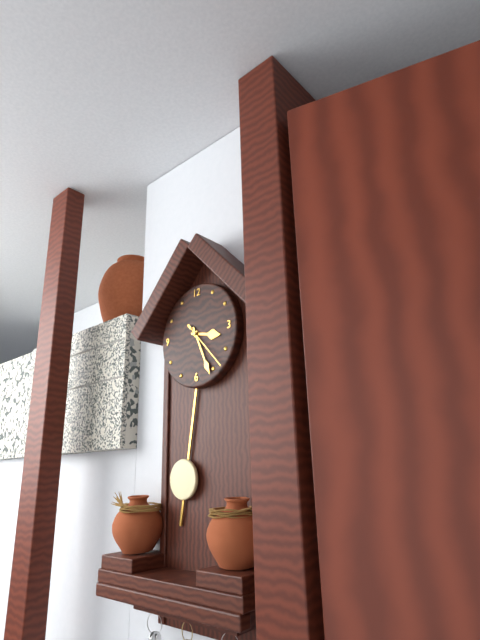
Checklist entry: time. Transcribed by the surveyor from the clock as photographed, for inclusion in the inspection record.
3:26:23
